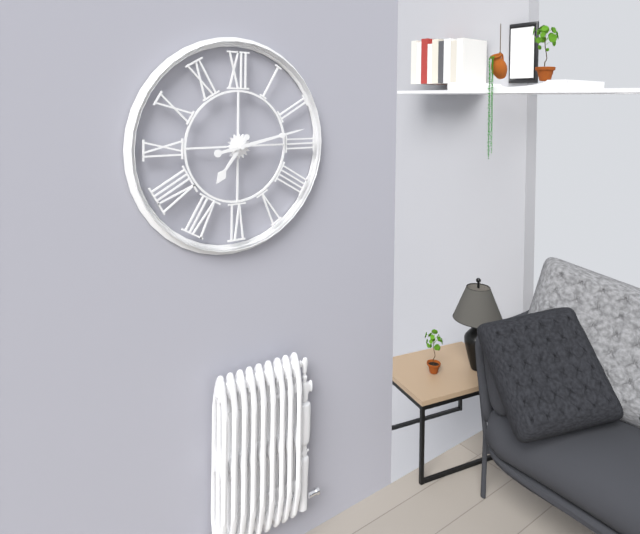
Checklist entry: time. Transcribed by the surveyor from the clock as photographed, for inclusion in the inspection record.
7:13
